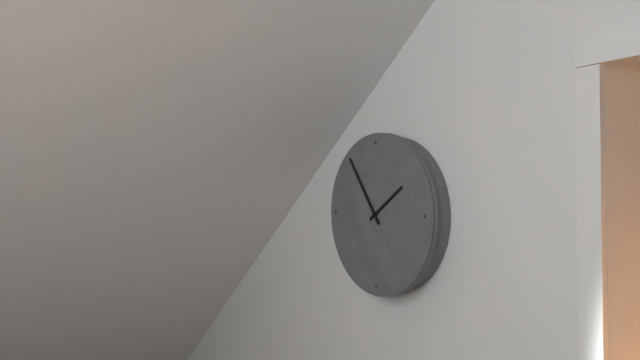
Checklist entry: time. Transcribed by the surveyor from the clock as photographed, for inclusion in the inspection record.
1:54
